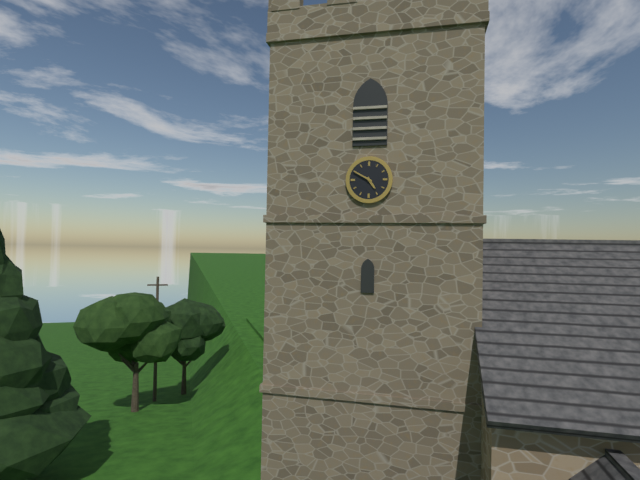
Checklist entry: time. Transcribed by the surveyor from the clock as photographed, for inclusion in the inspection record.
4:50
